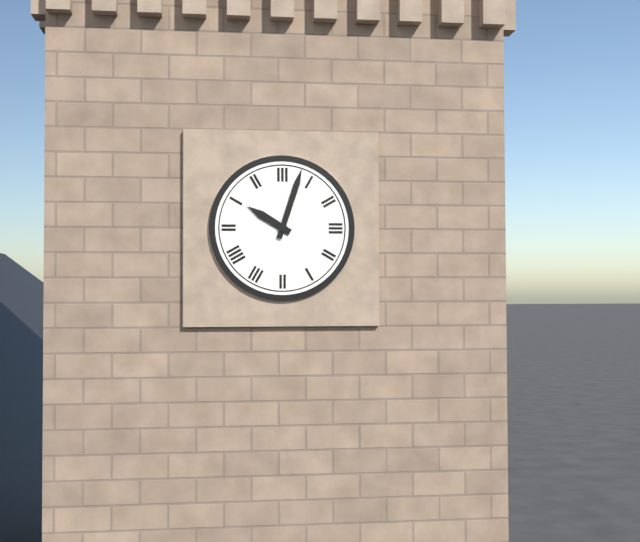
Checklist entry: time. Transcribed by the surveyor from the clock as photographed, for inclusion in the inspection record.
10:03
